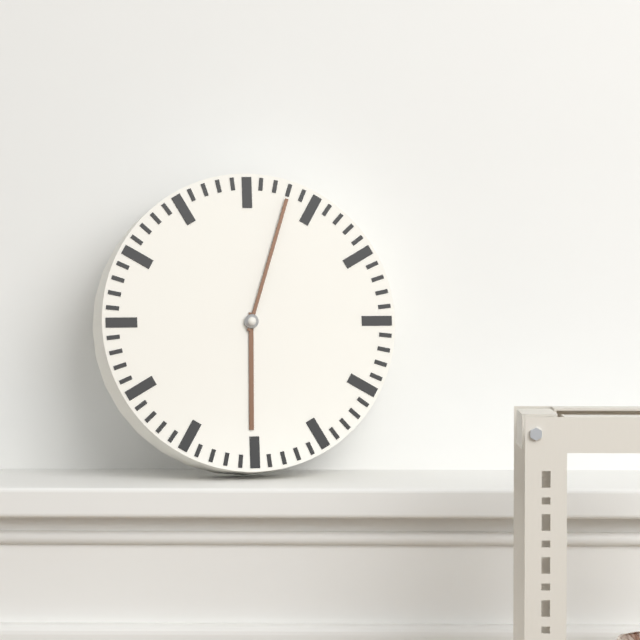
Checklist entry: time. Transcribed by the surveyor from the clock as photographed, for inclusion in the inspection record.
6:03
